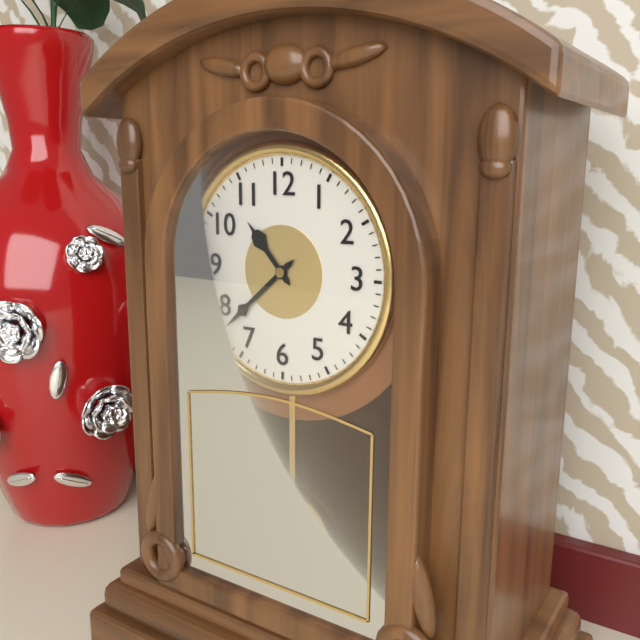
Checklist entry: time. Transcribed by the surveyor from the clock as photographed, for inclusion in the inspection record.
10:38
